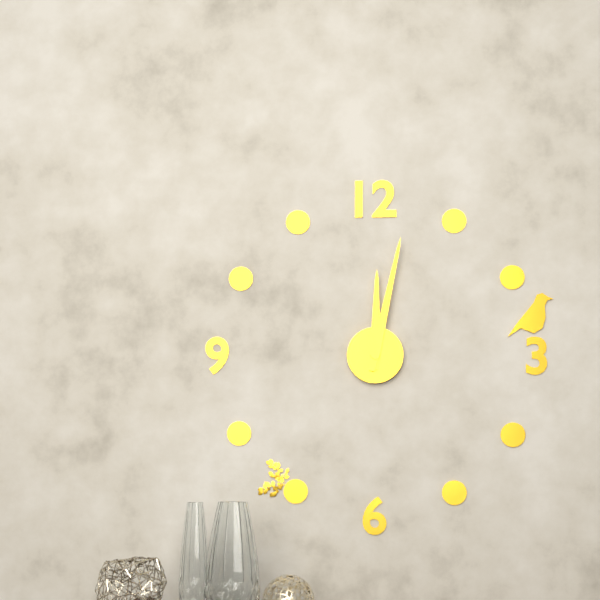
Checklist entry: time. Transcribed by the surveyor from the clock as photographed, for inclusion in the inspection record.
12:02
